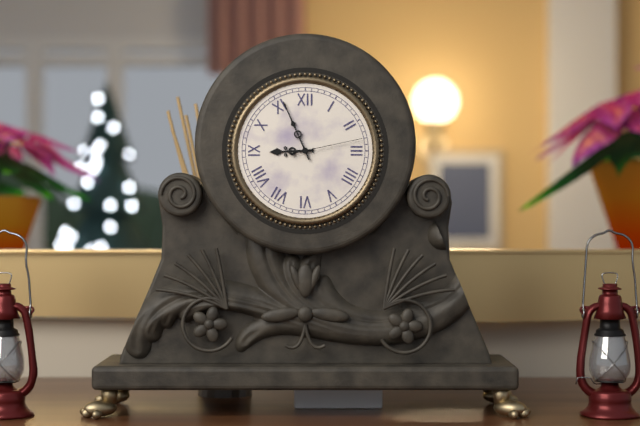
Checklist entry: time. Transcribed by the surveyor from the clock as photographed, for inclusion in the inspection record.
8:56:13
